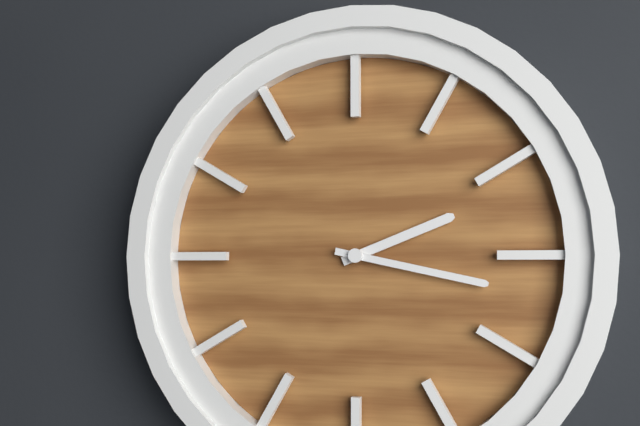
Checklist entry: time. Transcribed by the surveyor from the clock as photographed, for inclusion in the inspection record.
2:17
